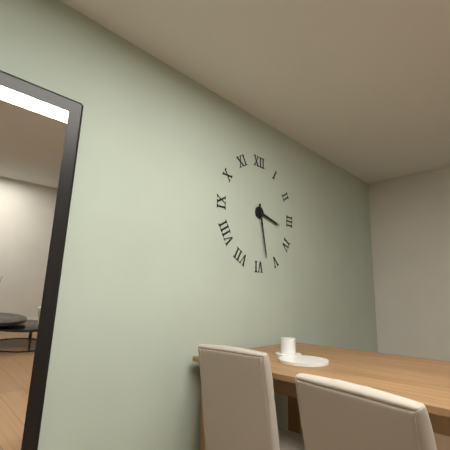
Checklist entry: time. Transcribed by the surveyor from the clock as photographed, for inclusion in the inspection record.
3:28
